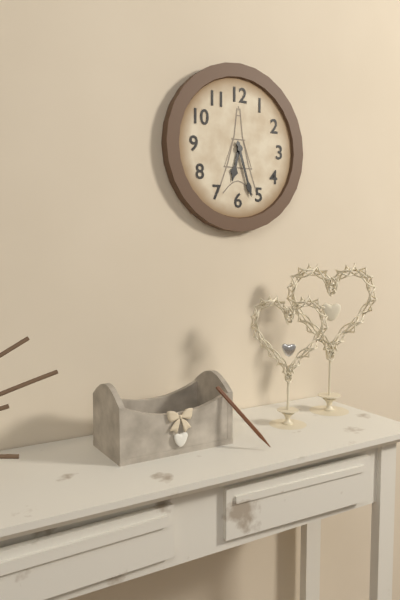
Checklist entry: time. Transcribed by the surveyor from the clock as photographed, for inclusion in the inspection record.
6:27
